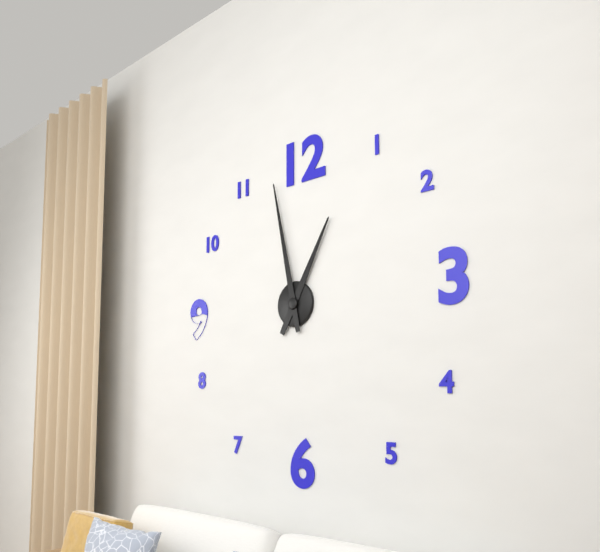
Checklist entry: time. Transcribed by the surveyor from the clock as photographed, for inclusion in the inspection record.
12:58
